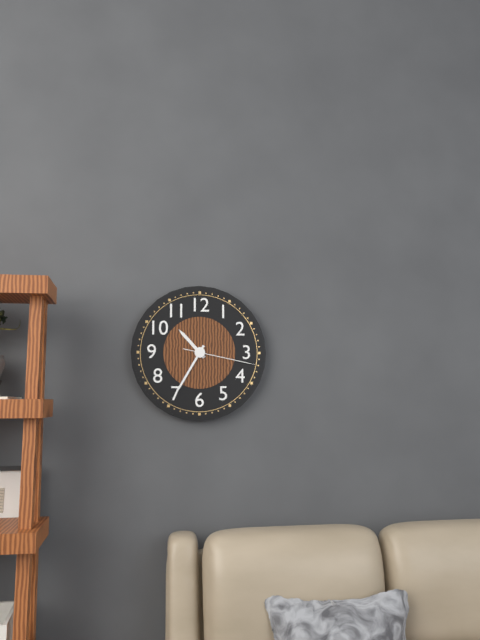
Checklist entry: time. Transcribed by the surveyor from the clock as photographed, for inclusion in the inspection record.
10:35:17
